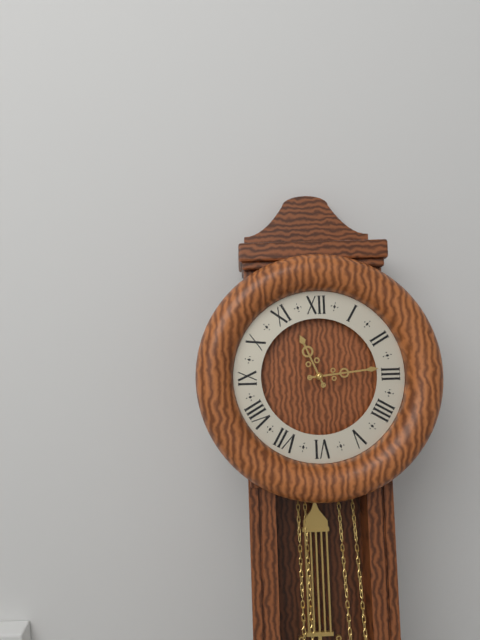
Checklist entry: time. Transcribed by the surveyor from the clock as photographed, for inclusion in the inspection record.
11:14
